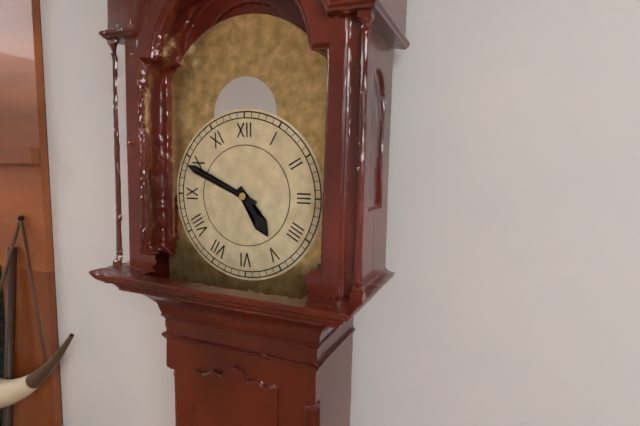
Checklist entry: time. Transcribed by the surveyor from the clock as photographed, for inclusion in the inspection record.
4:49
